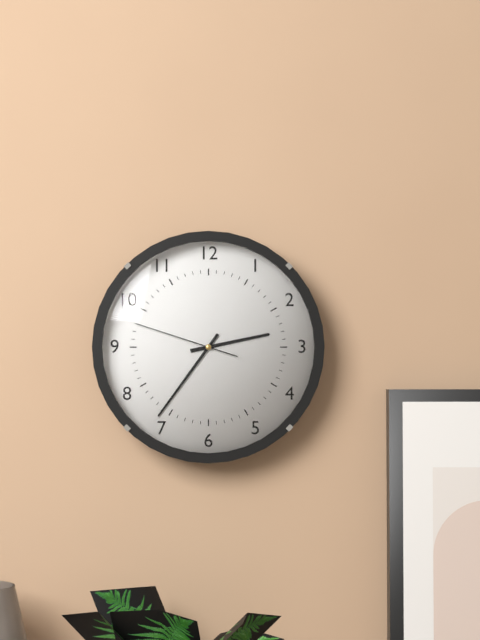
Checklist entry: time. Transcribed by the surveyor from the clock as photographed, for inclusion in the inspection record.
2:36:48
